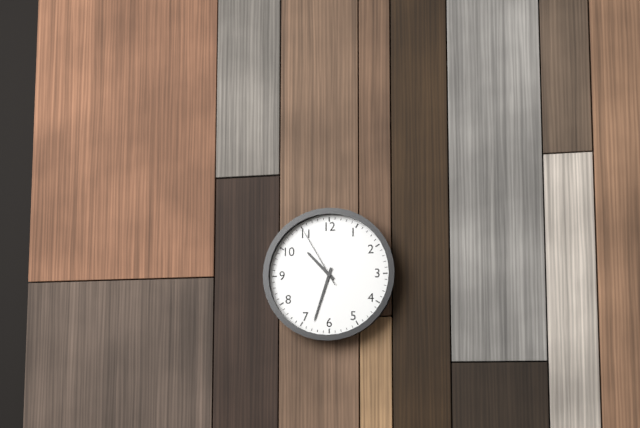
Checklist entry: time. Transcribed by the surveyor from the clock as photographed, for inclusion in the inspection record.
10:33:55
